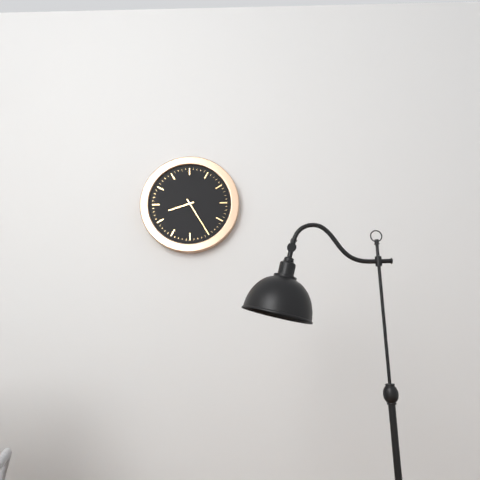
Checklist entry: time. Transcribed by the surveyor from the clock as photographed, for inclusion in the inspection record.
8:25
